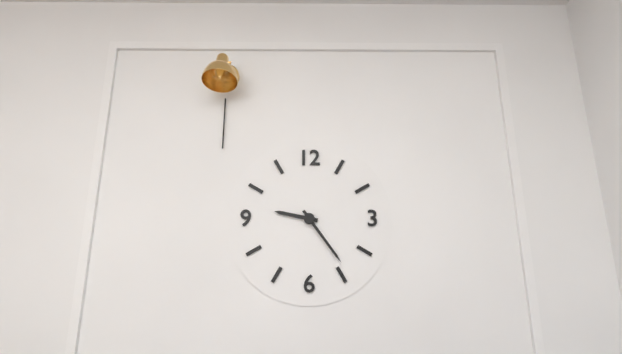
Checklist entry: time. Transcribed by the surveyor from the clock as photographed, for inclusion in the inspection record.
9:24
